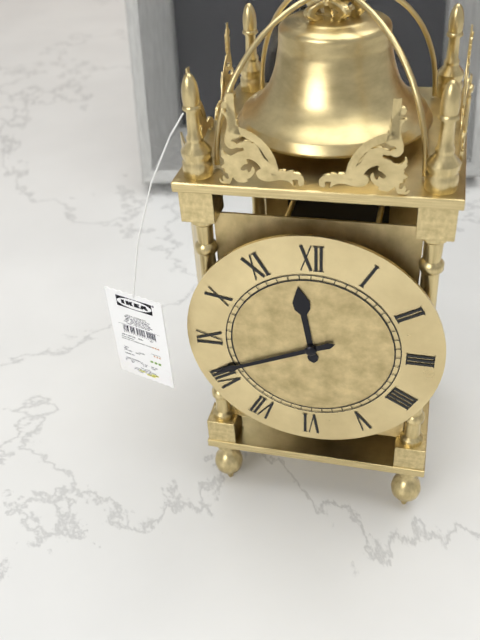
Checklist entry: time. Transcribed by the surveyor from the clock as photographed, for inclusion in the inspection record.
11:41
